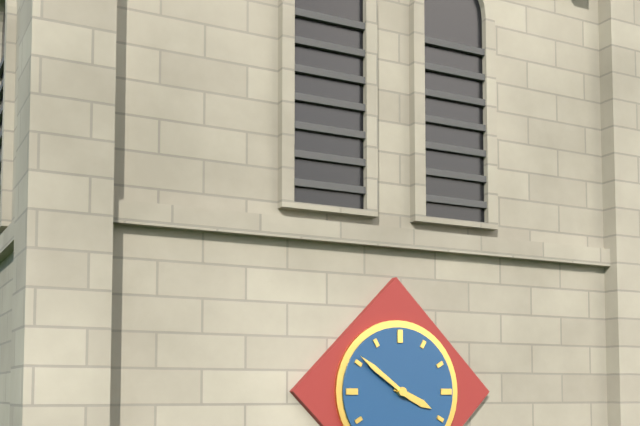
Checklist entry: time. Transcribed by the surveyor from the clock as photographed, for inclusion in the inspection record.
3:51
